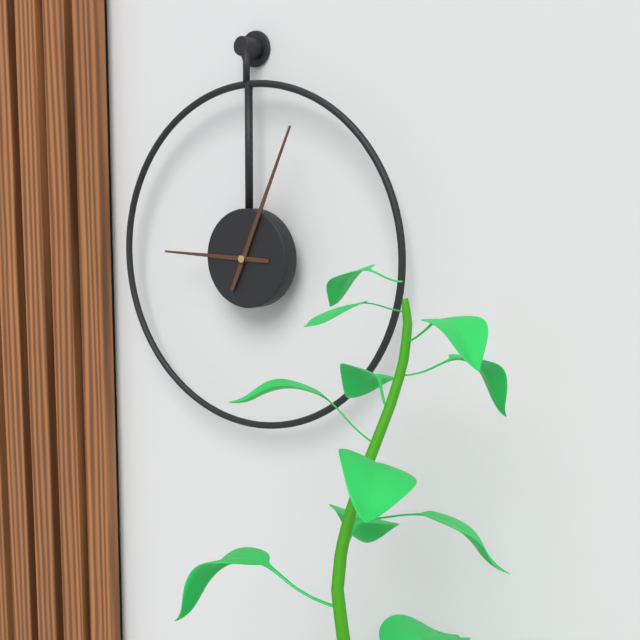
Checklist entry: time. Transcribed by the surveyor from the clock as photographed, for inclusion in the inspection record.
9:04
